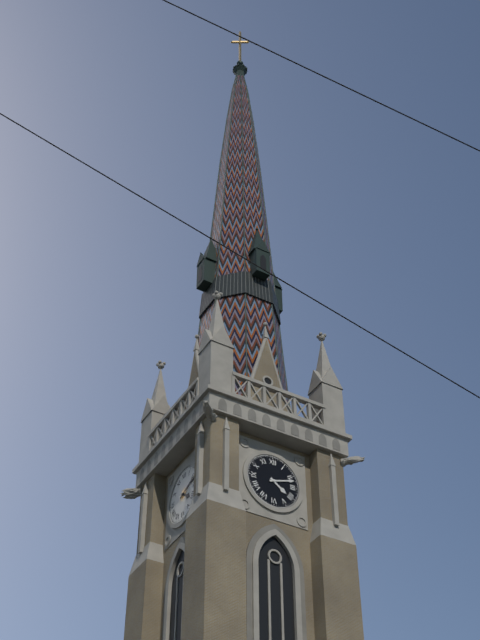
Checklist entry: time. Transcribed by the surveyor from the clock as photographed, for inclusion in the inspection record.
4:12
